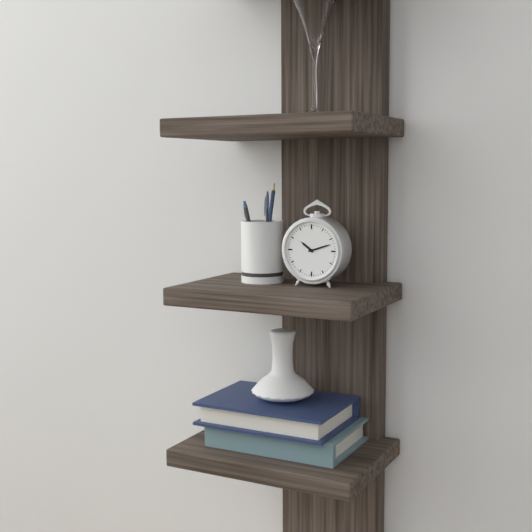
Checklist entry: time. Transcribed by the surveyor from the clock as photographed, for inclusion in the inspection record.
10:12
